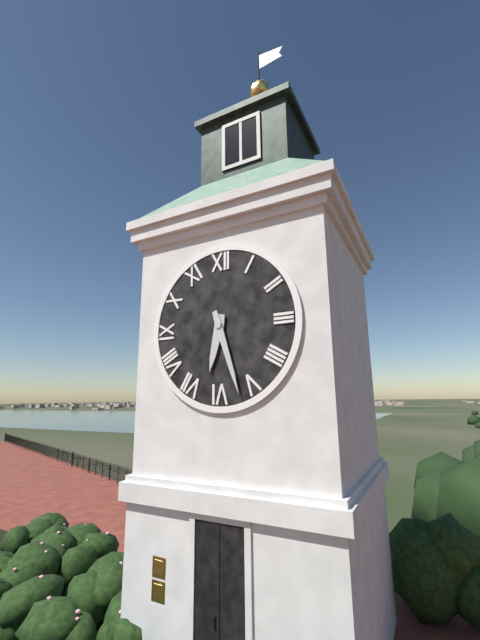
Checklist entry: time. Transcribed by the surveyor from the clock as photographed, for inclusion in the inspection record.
6:27
